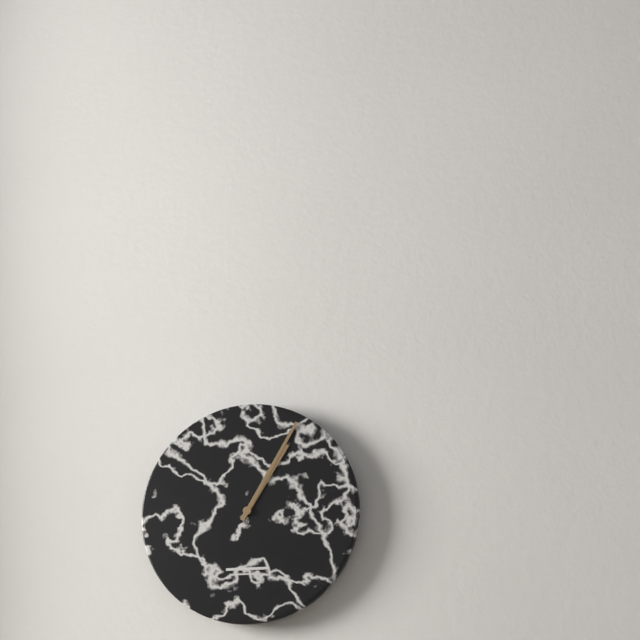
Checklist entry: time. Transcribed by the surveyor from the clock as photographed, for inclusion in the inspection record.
1:05
